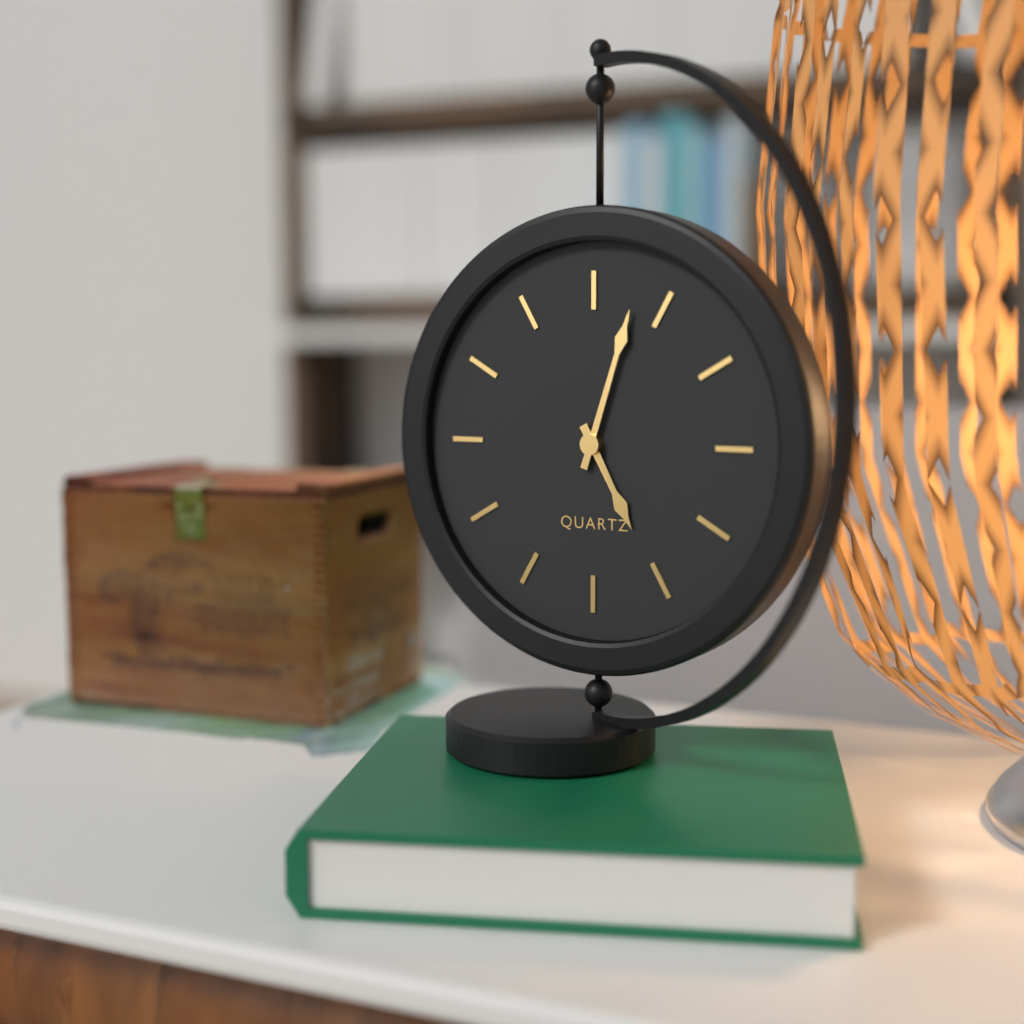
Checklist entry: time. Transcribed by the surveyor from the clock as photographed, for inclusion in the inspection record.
5:03
